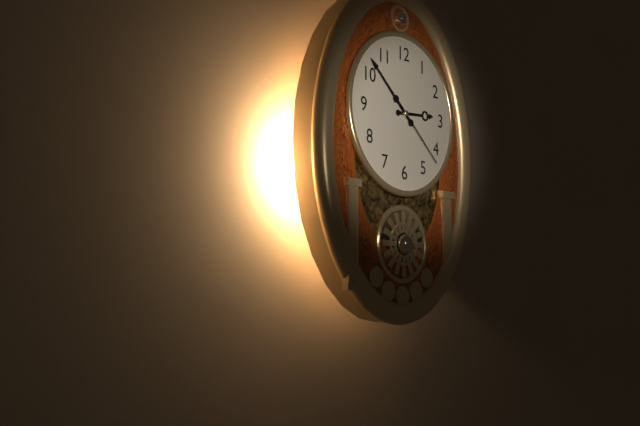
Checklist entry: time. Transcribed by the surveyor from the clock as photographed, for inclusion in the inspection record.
2:52:22
